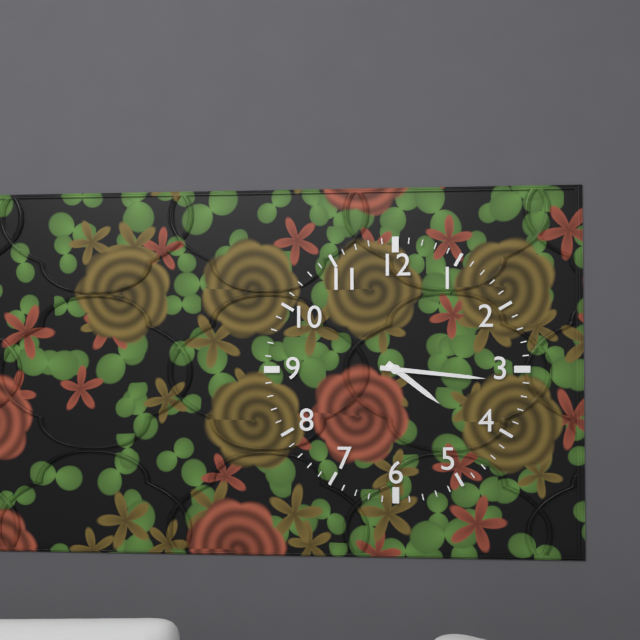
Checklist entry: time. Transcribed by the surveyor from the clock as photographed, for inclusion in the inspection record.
4:16
